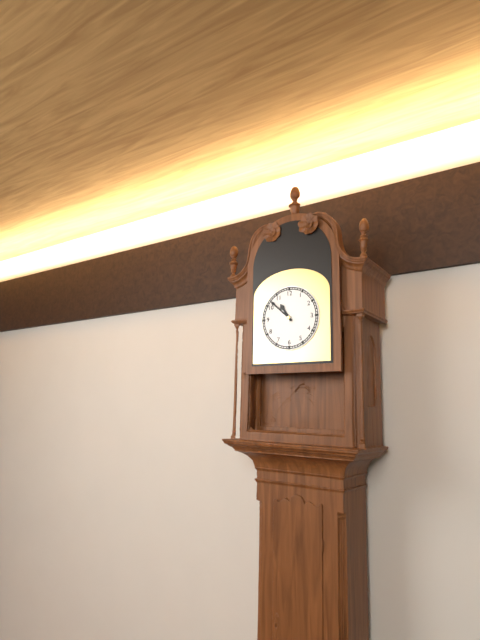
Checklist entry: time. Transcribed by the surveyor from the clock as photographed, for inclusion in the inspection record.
10:52
